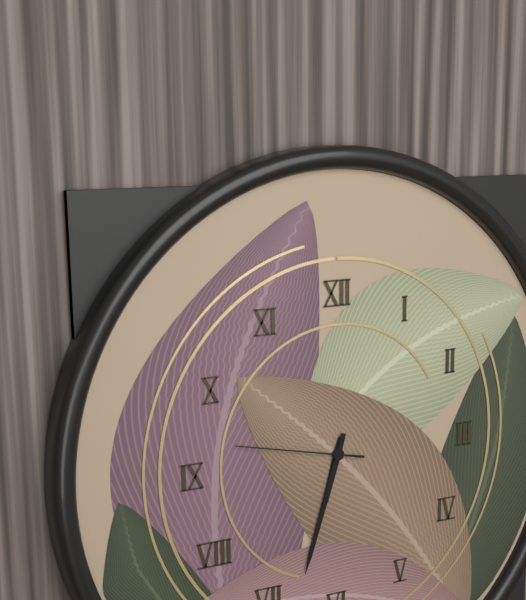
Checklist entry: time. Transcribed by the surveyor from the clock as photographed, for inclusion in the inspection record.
6:33:47
